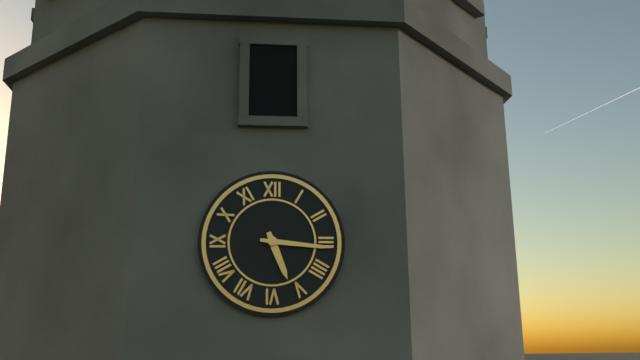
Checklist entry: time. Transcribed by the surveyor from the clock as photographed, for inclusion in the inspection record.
5:16
